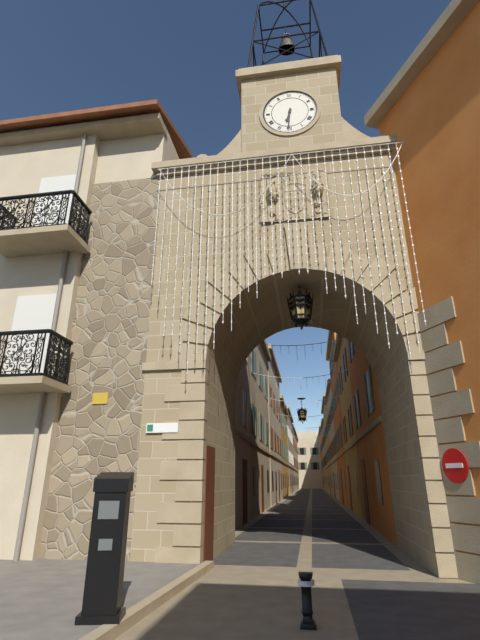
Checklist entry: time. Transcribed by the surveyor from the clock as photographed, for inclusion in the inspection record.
6:31
